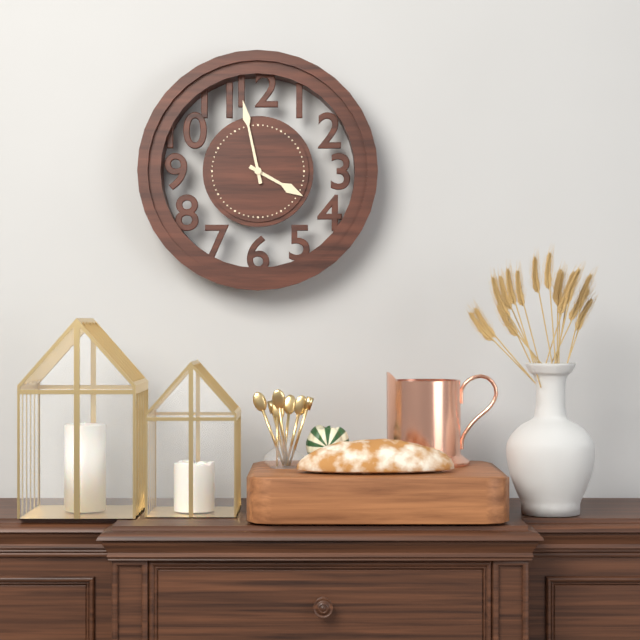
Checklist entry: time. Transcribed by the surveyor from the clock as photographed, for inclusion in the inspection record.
3:58
